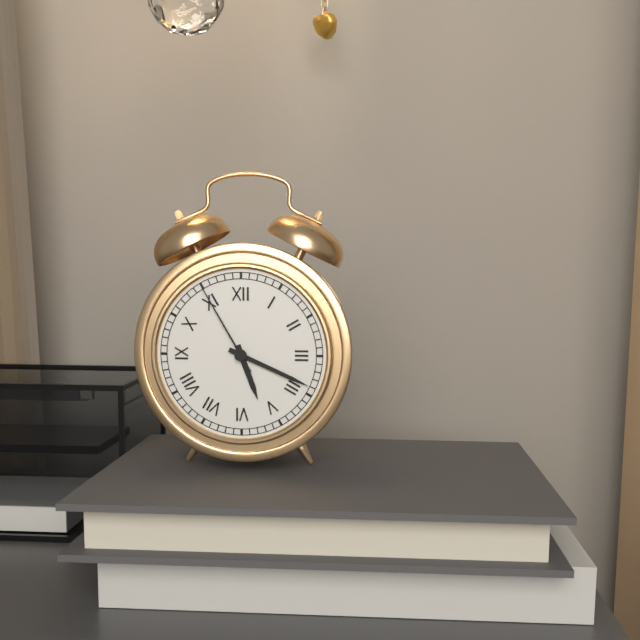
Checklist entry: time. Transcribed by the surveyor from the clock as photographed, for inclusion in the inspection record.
5:19:55
